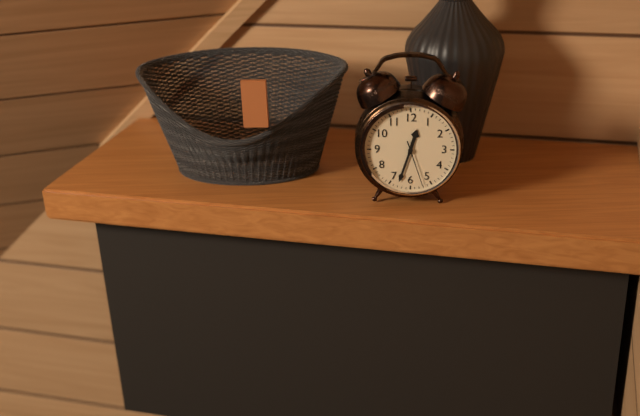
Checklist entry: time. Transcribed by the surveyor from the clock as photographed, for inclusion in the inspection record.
12:33
